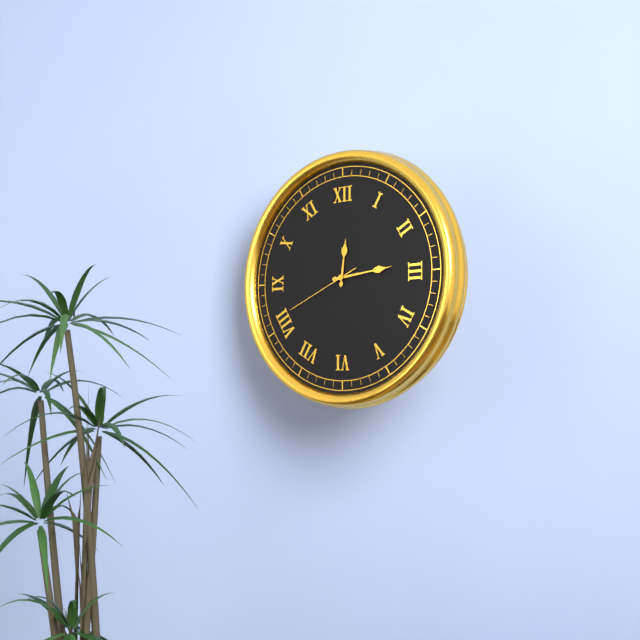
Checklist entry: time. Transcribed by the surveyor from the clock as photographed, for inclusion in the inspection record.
12:14:41
